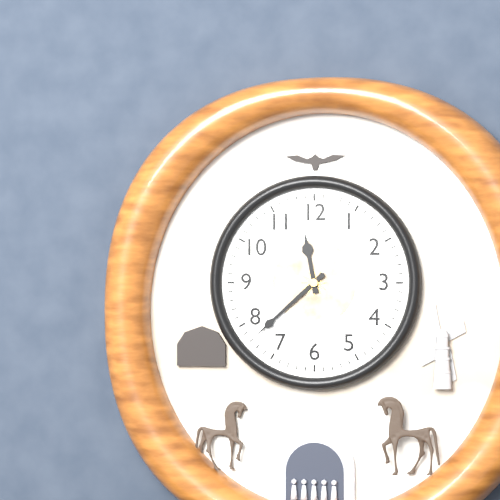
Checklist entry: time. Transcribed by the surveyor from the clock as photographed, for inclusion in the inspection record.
11:38
